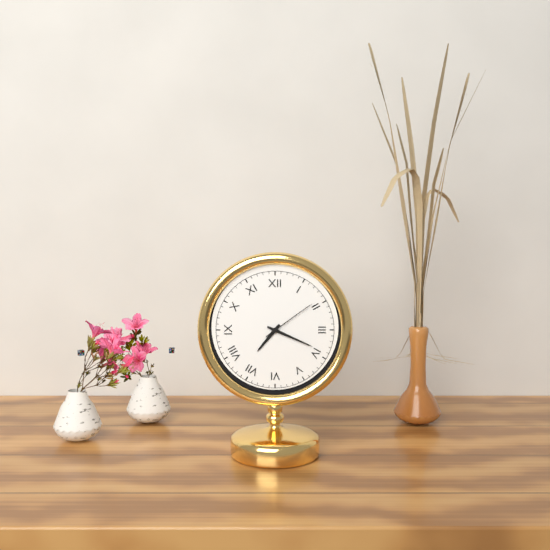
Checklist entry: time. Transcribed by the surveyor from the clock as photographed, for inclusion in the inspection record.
7:19:09
